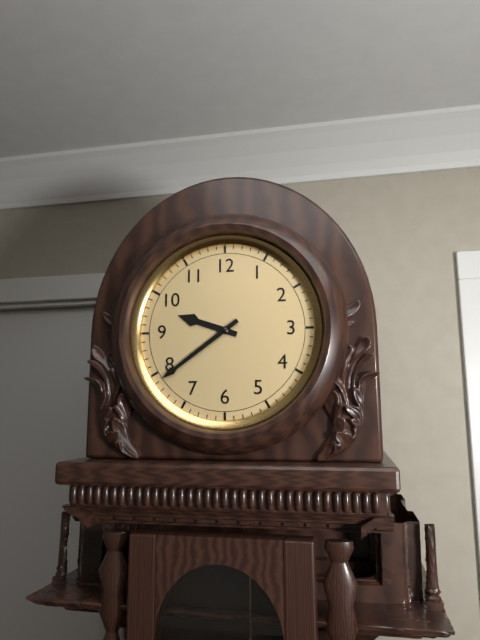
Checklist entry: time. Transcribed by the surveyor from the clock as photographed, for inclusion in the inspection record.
9:39
